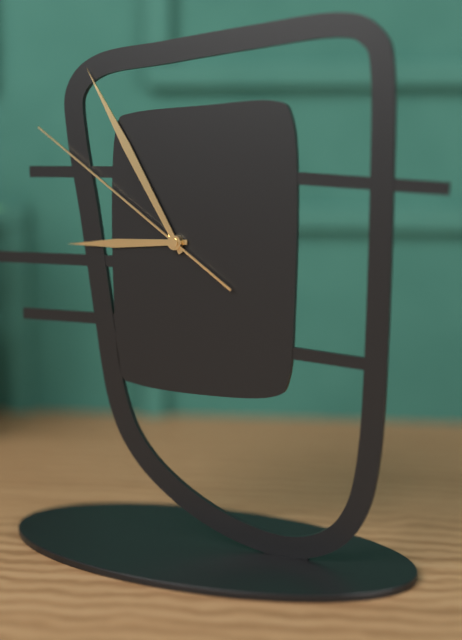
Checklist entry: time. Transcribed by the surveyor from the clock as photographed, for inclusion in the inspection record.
8:55:51
